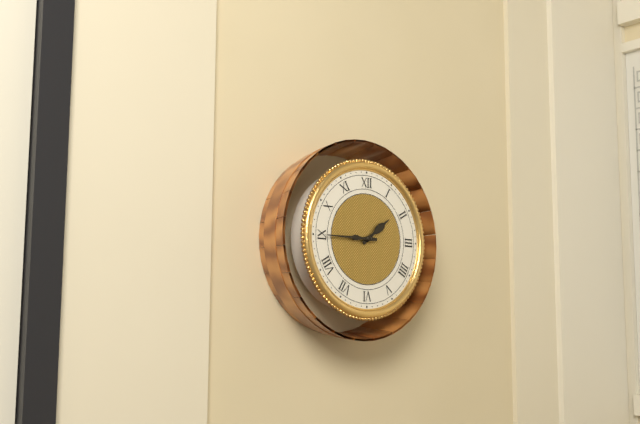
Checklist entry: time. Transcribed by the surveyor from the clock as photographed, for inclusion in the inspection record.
1:45
